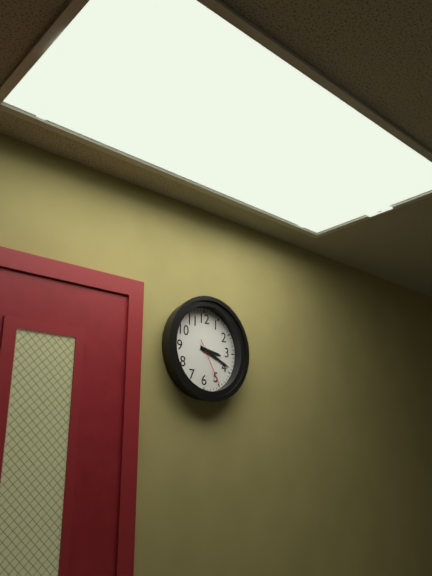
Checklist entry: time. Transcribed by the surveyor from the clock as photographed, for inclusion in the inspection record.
3:19
